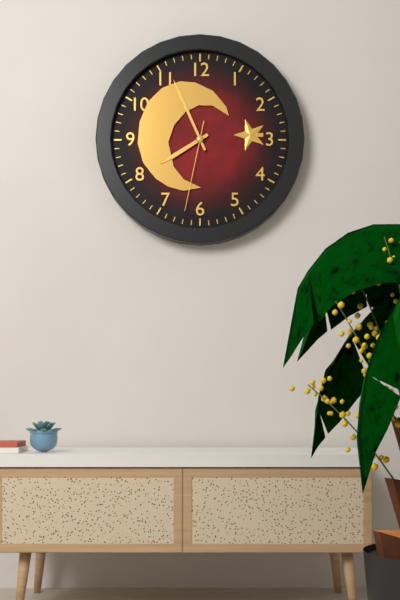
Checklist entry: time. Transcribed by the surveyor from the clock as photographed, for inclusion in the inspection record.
7:56:32
